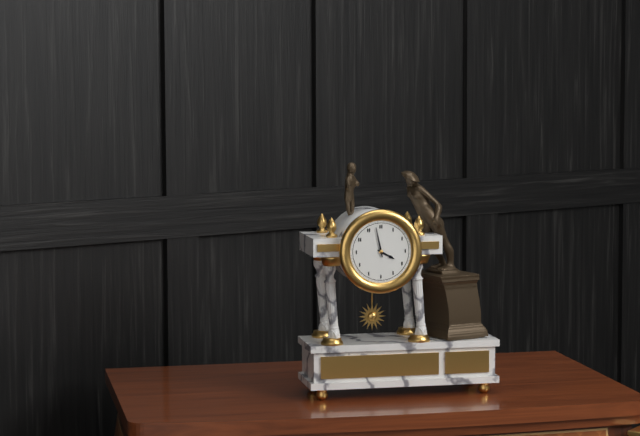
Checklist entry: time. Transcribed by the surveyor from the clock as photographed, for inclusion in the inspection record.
3:58
